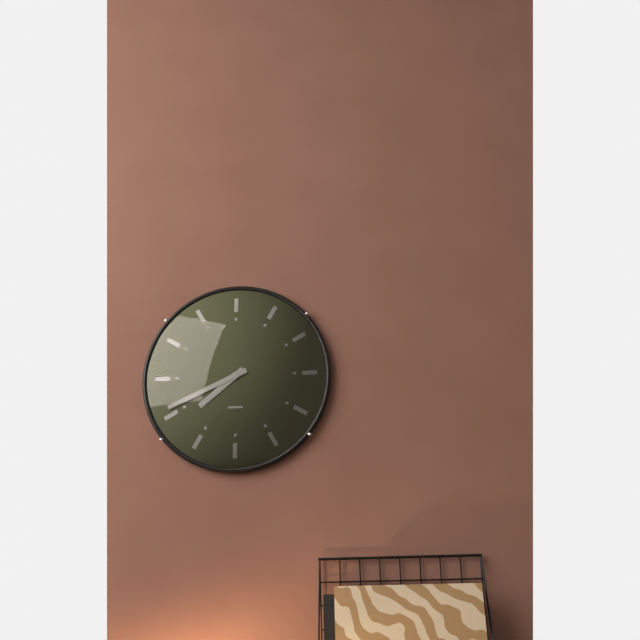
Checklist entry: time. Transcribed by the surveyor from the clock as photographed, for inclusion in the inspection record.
7:41
